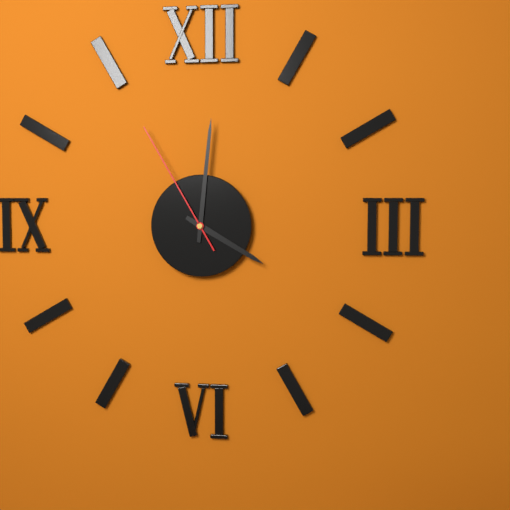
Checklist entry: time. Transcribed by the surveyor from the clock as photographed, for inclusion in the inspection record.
4:01:55
